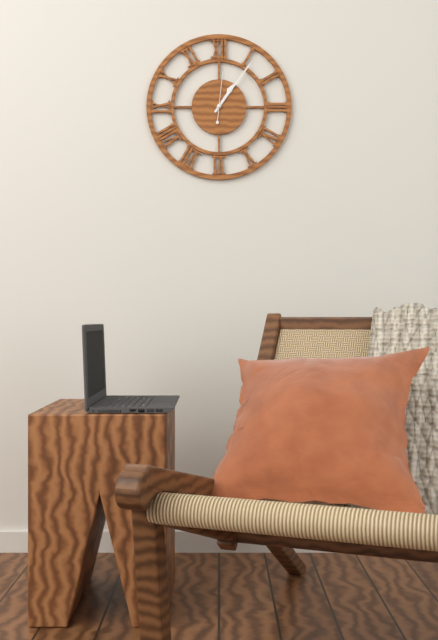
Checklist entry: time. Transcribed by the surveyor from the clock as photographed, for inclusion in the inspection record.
1:06
